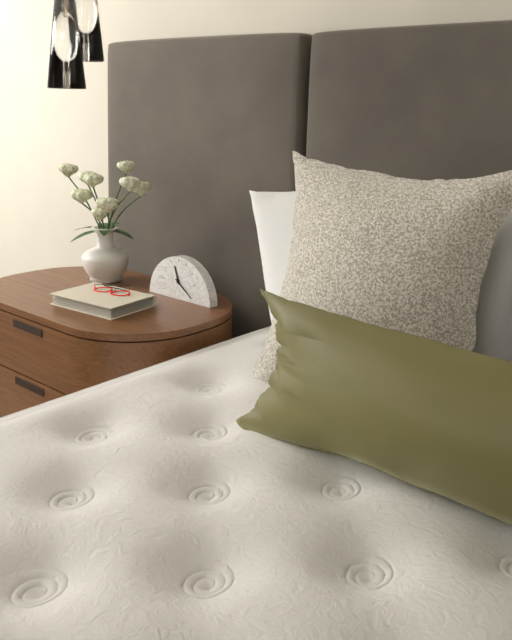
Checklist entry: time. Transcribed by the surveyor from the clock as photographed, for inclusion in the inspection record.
11:21
